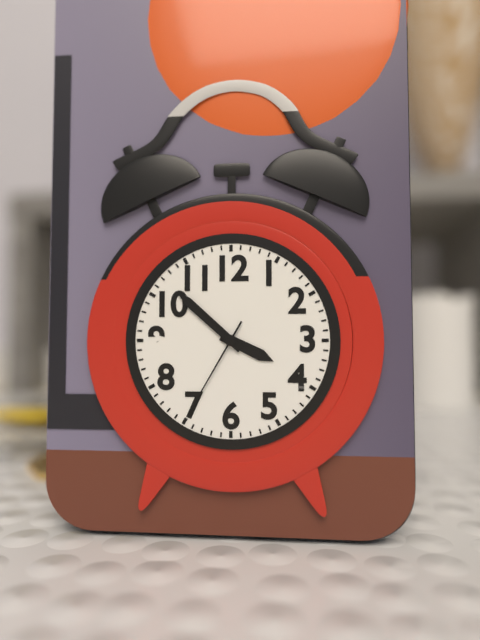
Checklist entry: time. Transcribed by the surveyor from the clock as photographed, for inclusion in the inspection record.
3:52:35
